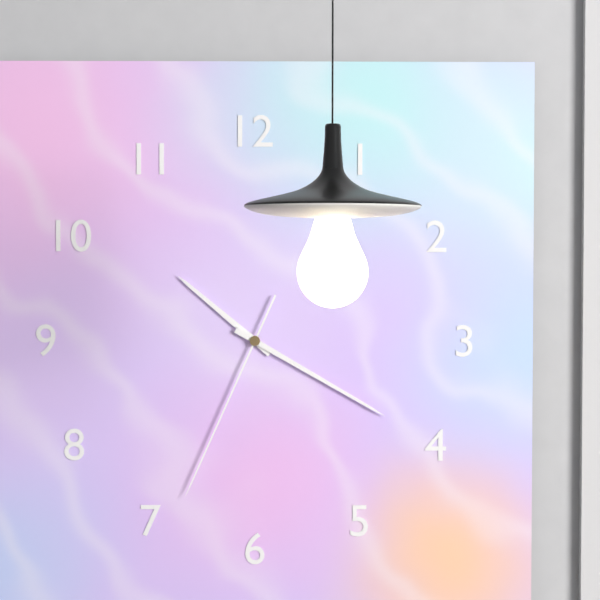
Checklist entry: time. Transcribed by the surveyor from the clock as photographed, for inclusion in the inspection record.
10:20:34
